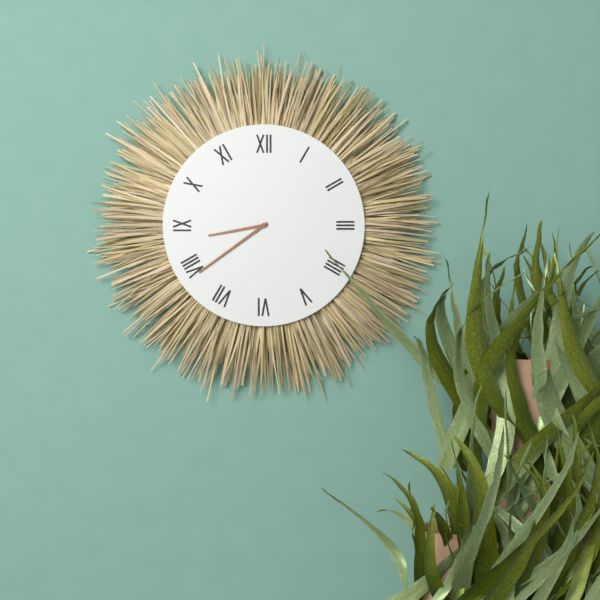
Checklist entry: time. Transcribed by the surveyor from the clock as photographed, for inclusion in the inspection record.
8:39
